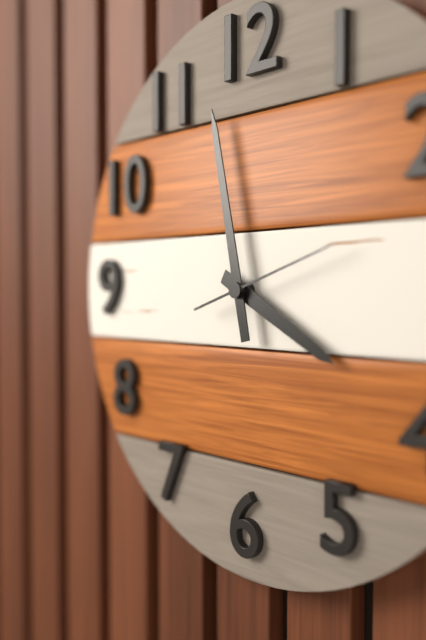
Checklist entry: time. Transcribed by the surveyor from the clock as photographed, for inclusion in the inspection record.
3:58:12
